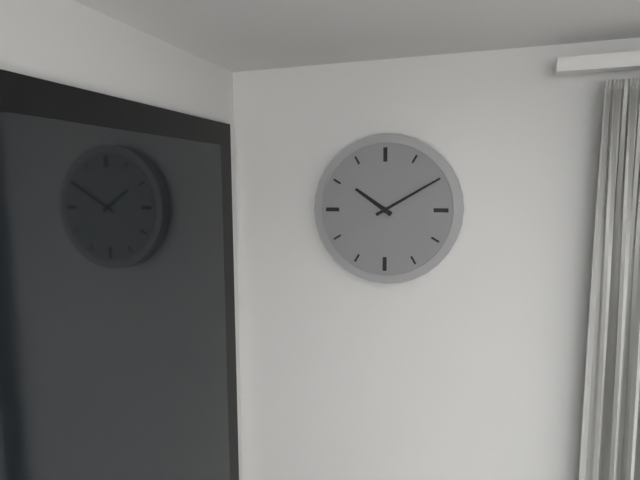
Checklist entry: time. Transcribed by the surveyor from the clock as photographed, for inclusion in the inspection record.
10:10
